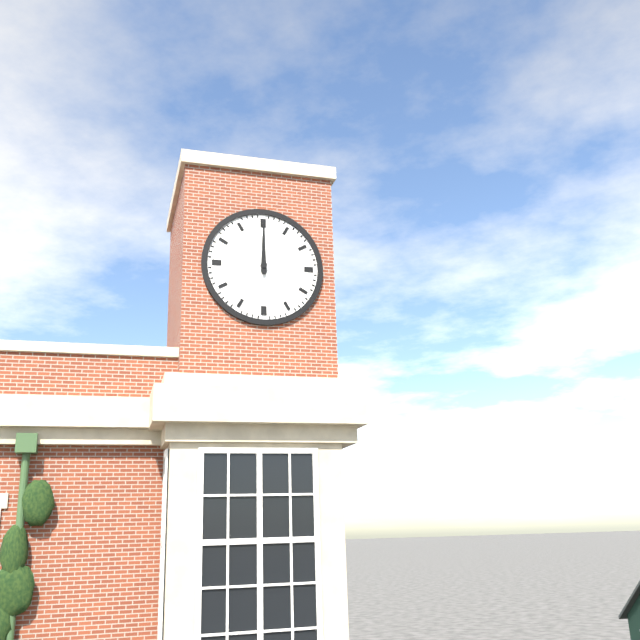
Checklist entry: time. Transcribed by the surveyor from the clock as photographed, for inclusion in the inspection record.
12:00
